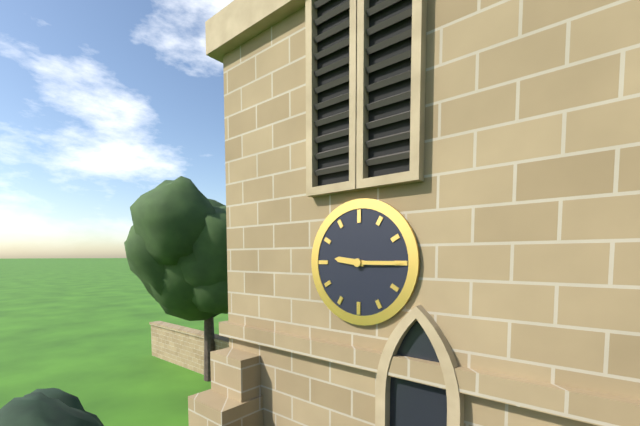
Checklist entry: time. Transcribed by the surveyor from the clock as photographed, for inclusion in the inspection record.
9:15
